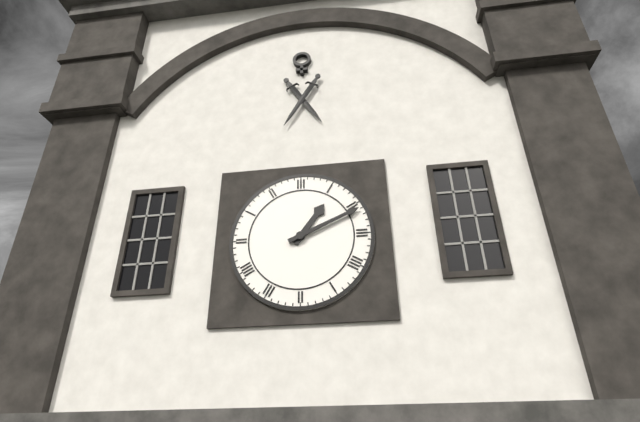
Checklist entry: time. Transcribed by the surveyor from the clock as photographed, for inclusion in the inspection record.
1:11
